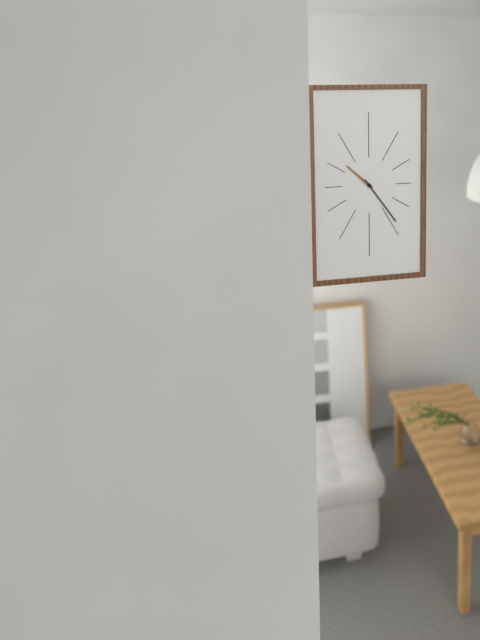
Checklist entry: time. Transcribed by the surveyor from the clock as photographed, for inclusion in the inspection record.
10:24
